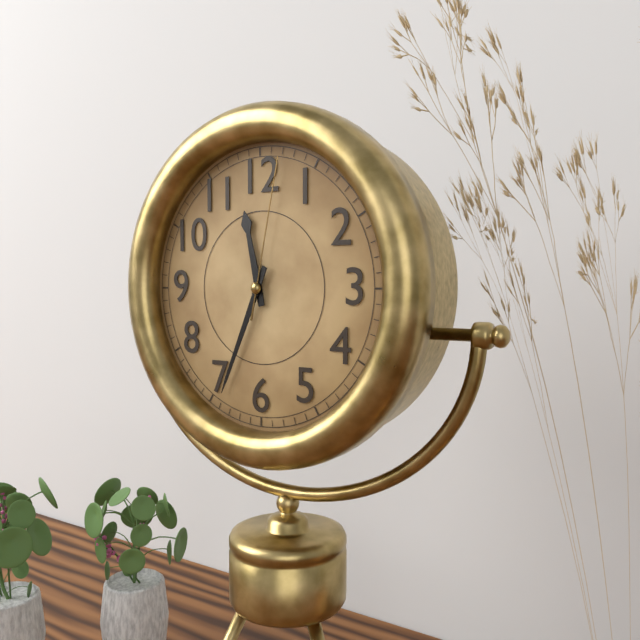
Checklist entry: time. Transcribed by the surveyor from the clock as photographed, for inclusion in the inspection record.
11:34:02
